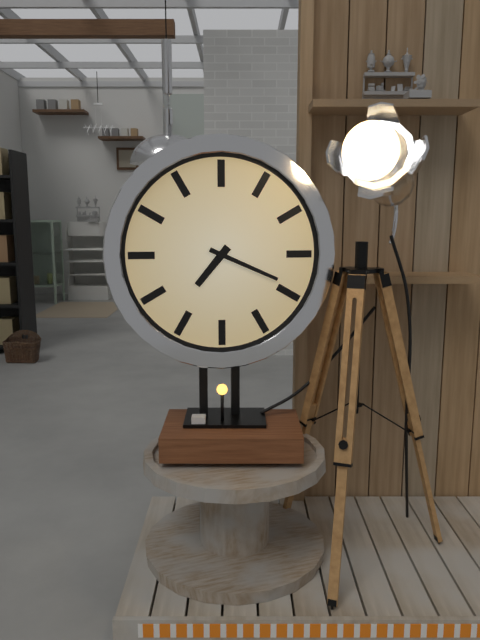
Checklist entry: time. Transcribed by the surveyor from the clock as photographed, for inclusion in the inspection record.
7:19
